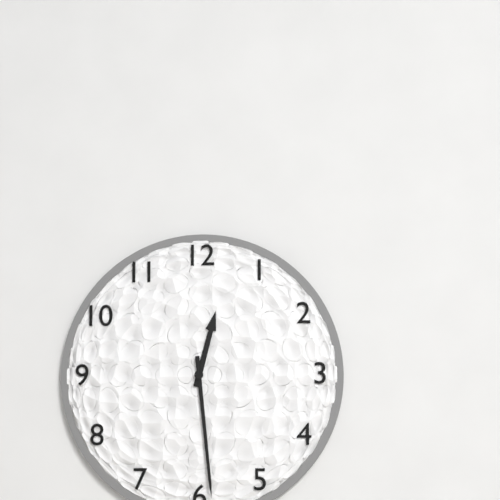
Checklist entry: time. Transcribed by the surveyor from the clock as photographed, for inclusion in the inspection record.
12:29
